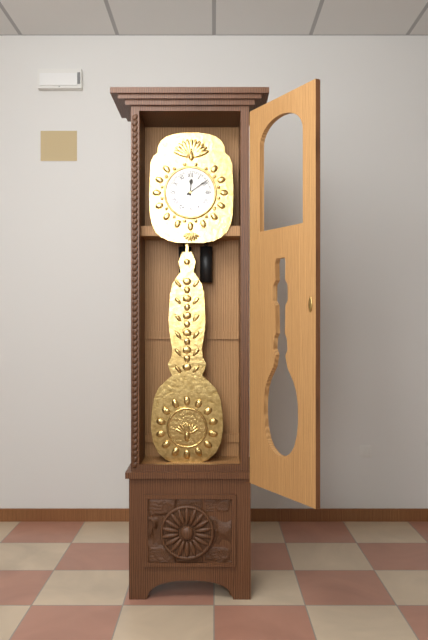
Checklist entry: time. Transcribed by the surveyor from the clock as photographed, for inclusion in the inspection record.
12:09
